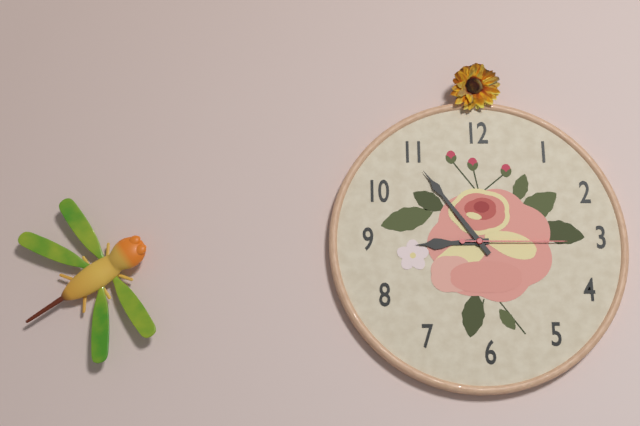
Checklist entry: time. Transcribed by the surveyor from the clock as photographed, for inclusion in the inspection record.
8:54:15
